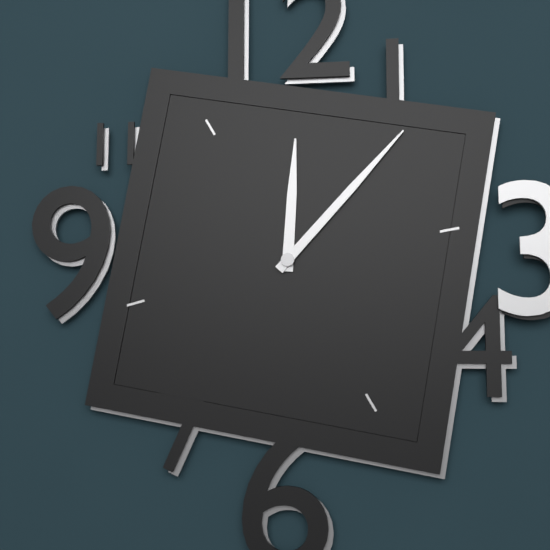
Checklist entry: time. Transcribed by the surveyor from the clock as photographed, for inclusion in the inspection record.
12:07
